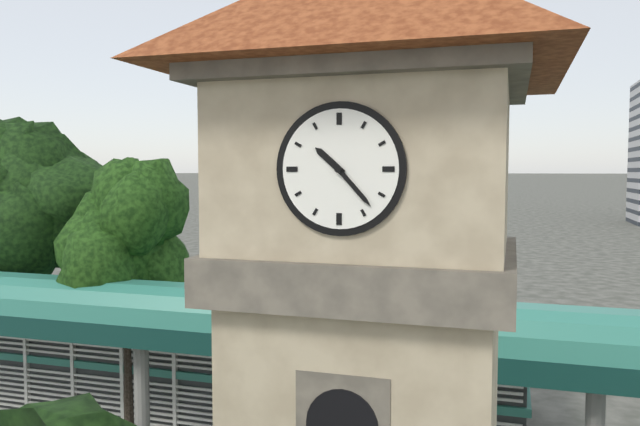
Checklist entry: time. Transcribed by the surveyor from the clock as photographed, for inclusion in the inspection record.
10:23
